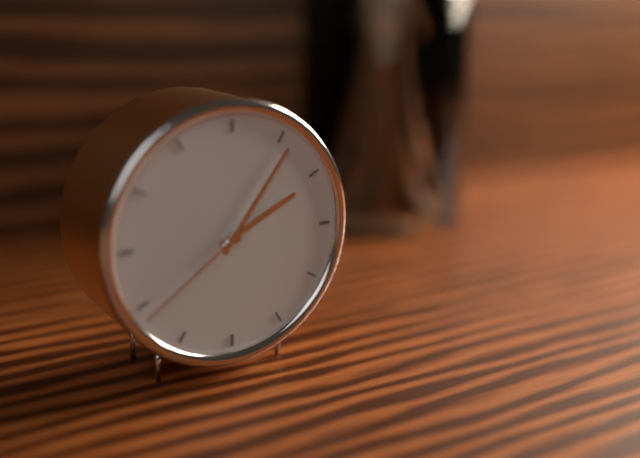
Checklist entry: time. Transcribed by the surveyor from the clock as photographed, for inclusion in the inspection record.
2:06:39
